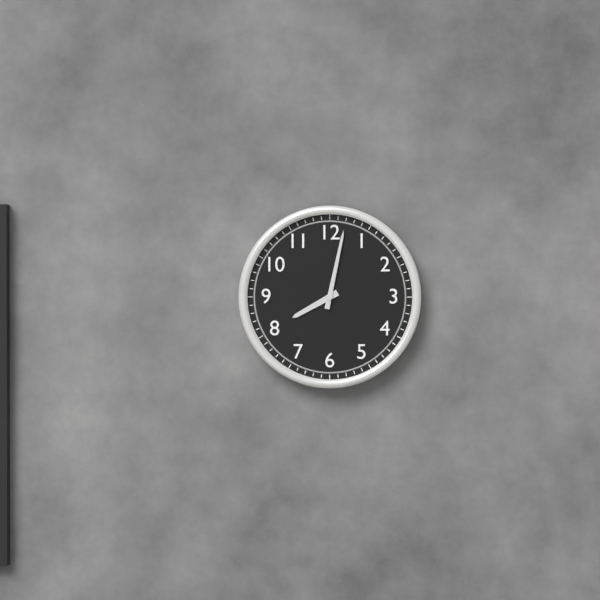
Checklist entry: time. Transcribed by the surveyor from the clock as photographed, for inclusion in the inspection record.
8:02
